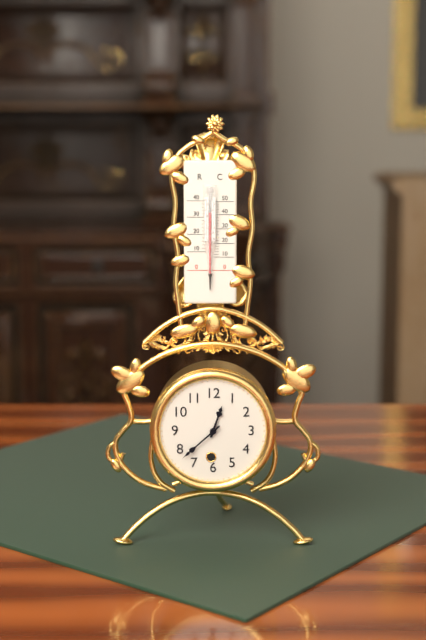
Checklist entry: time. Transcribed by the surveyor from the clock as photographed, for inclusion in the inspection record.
12:38
